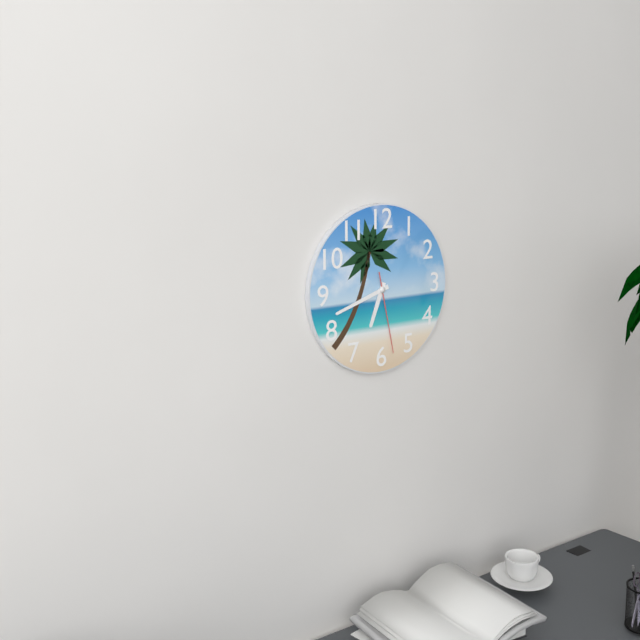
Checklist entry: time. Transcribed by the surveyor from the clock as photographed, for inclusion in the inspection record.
6:42:28
